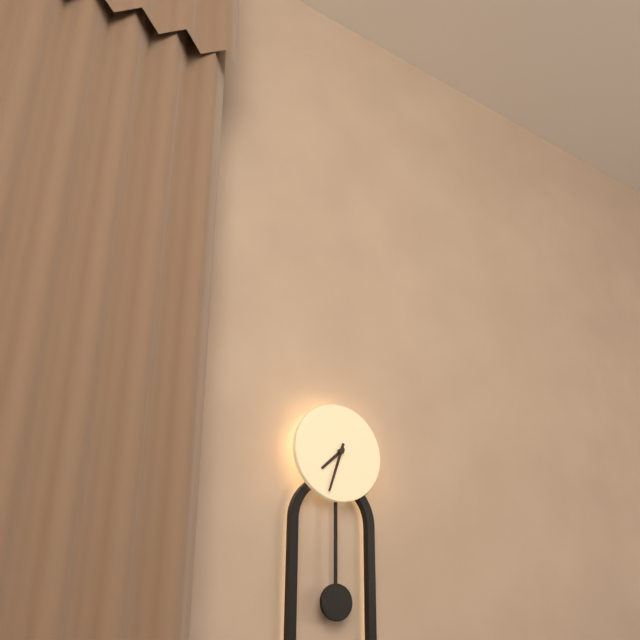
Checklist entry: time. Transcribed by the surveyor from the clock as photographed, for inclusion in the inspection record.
7:33
